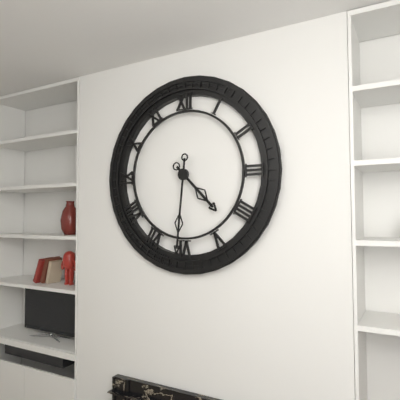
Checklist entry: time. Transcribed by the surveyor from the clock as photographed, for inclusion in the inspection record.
4:31
